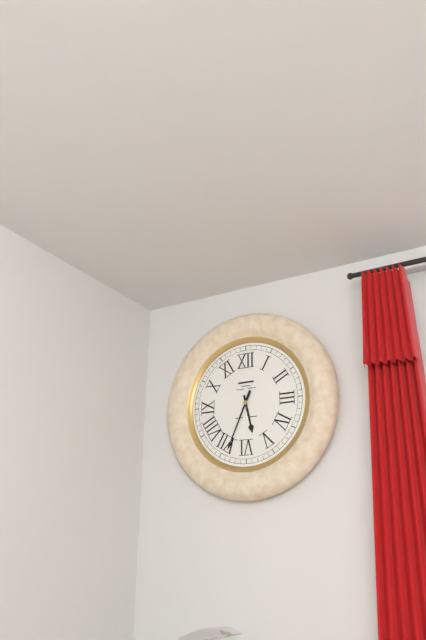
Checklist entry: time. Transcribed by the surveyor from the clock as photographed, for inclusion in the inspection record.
5:34
